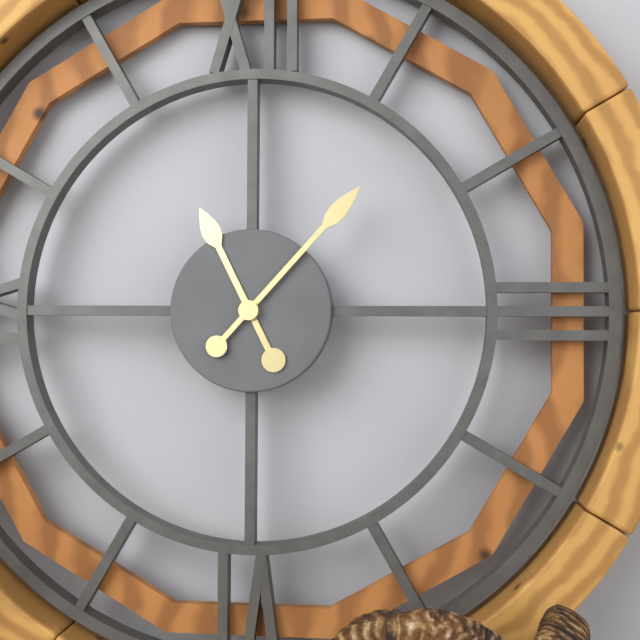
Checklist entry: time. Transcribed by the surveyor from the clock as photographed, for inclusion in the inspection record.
11:07
